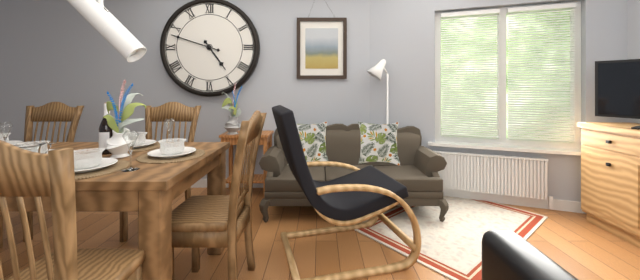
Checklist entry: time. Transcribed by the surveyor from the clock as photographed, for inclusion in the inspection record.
4:48
